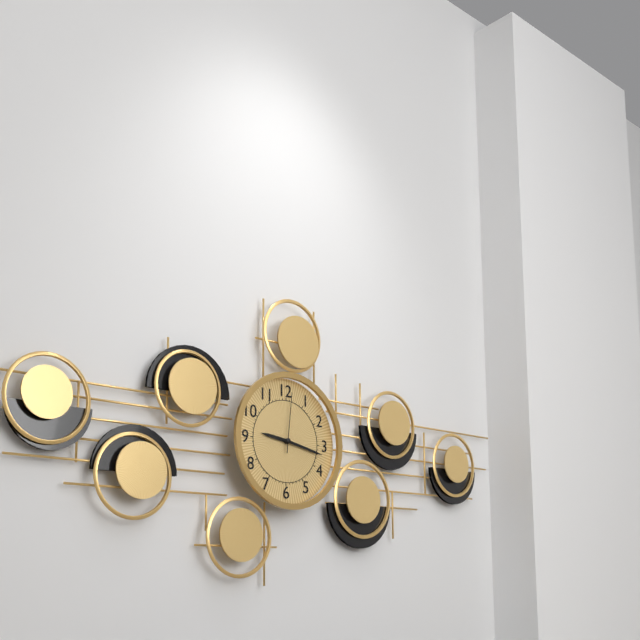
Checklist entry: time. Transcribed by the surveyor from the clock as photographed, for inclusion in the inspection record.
9:17:01
